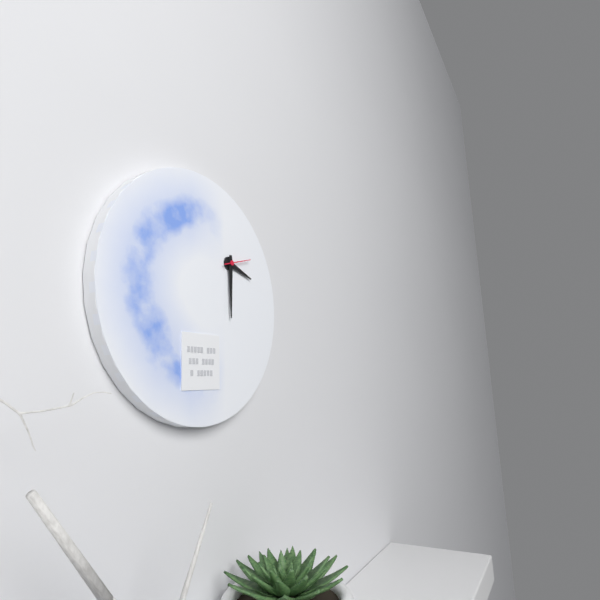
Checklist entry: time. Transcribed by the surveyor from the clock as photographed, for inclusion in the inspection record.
3:30
